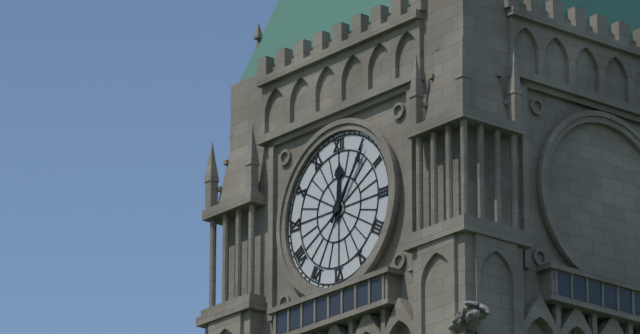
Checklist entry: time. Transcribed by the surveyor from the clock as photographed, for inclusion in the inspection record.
12:06
